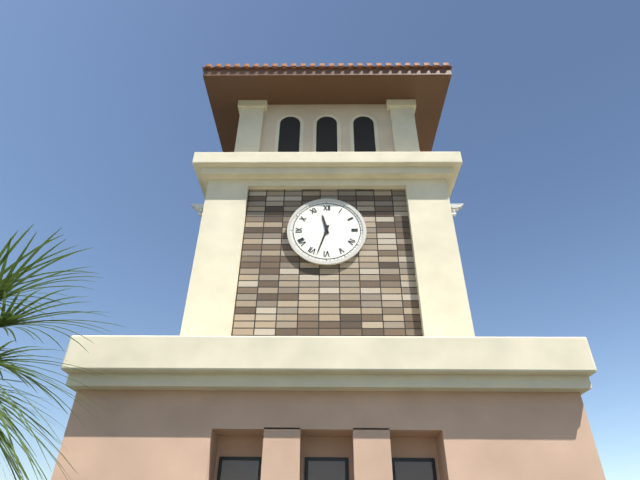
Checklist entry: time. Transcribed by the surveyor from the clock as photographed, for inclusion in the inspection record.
11:33
